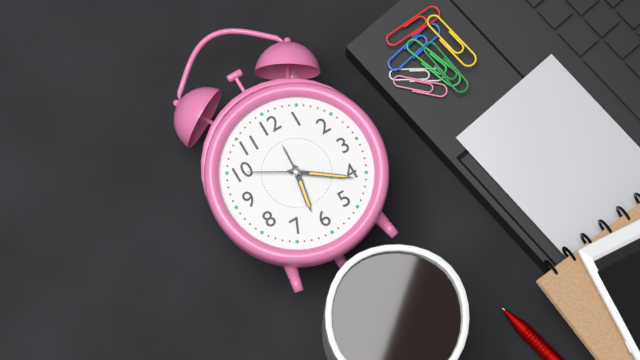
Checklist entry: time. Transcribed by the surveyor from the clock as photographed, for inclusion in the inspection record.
6:21:50
